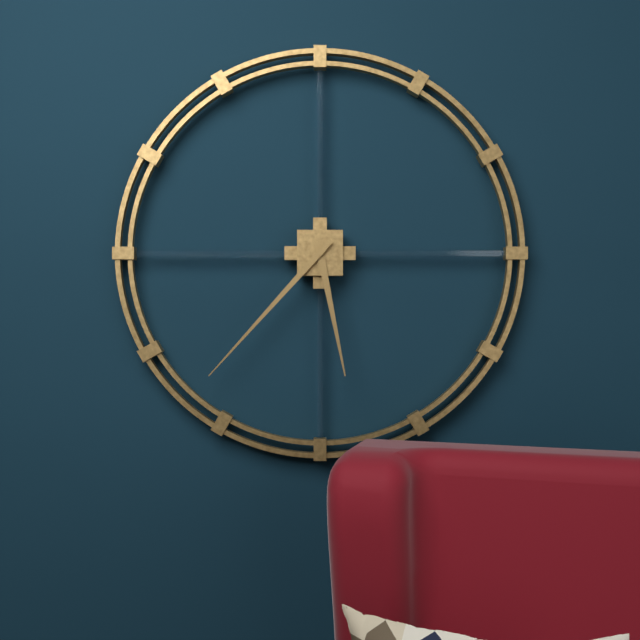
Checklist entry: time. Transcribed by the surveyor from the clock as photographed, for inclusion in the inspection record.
5:37
